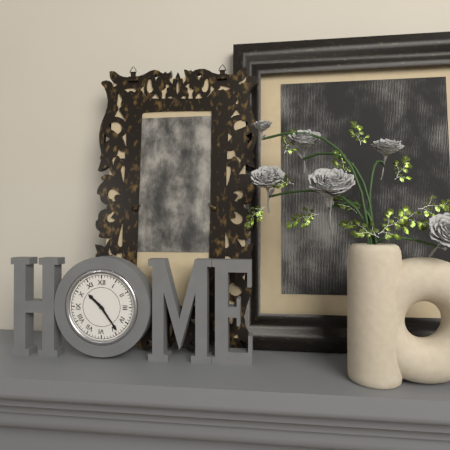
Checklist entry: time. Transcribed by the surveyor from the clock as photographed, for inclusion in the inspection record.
10:24
